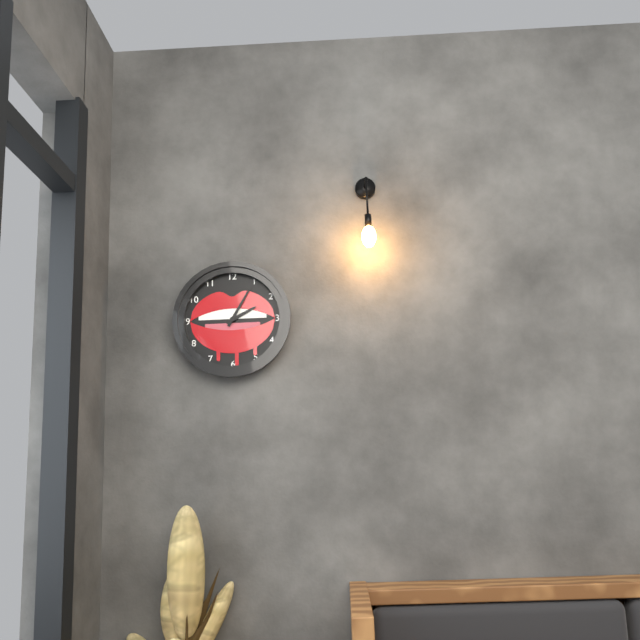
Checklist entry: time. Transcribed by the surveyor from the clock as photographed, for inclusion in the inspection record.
2:05
